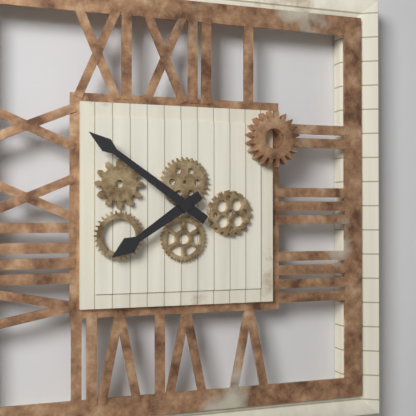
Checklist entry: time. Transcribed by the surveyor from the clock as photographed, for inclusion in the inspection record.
7:51
